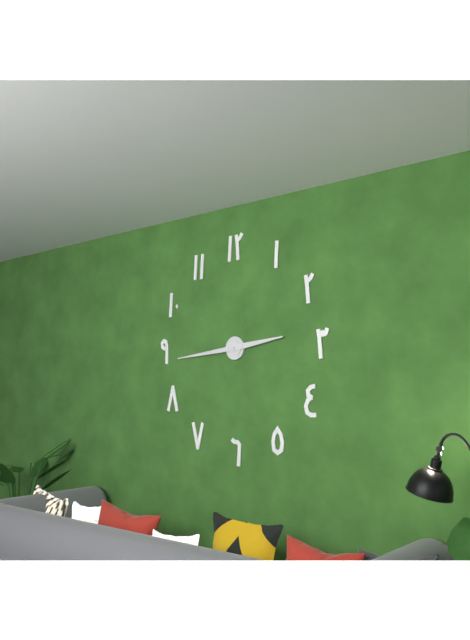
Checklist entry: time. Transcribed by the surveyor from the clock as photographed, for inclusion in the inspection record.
2:44
